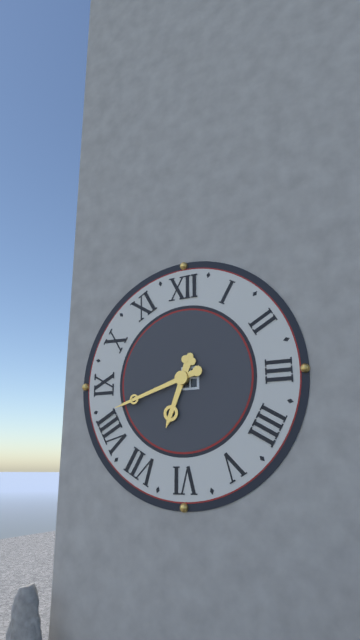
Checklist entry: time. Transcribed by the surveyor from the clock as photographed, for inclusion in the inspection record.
6:42
